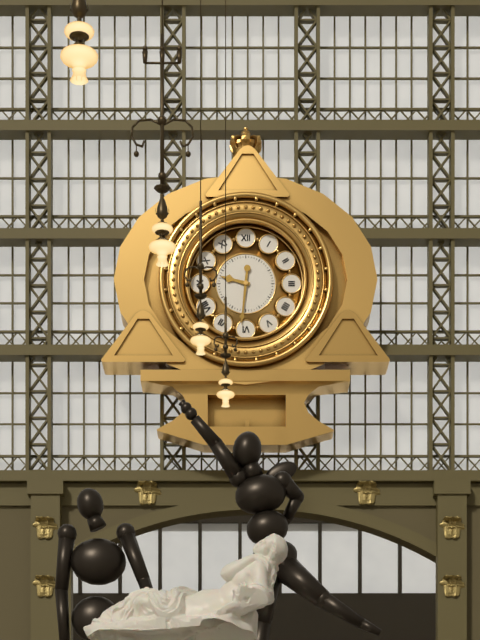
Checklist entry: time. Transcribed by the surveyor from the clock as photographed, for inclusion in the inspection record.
9:31
